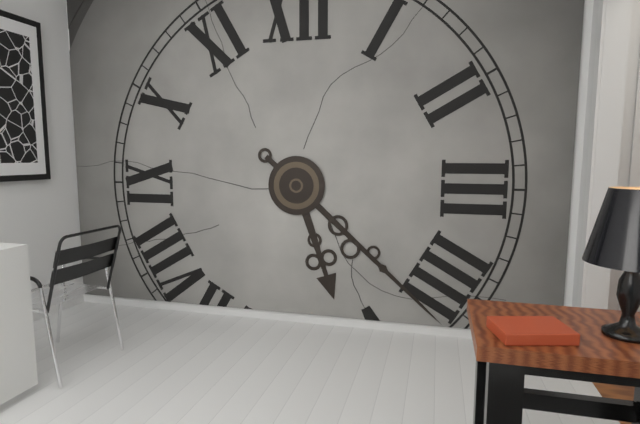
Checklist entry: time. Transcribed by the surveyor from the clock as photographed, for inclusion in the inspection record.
5:22
